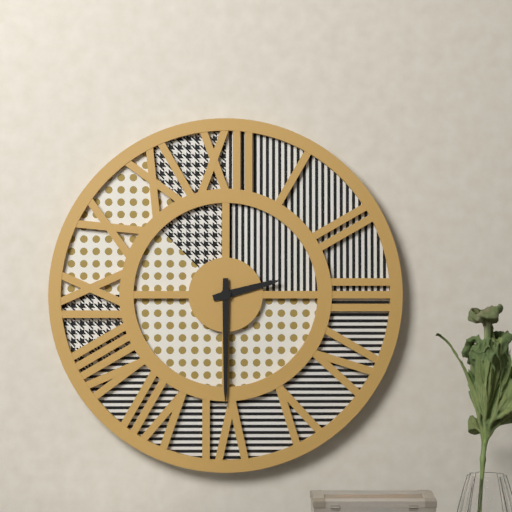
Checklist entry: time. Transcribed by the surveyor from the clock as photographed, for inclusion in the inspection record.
2:30
